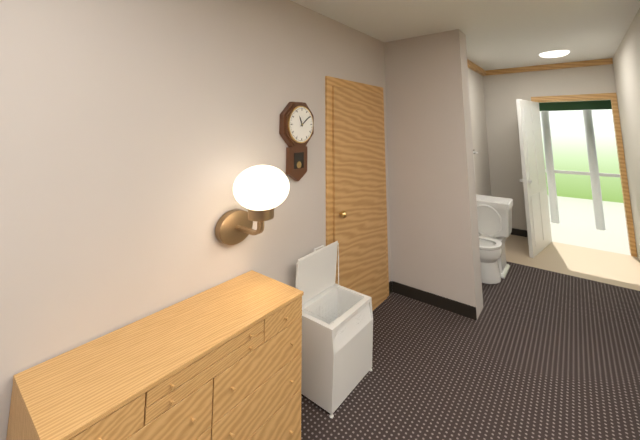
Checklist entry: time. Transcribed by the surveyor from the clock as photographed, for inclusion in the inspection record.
11:09
